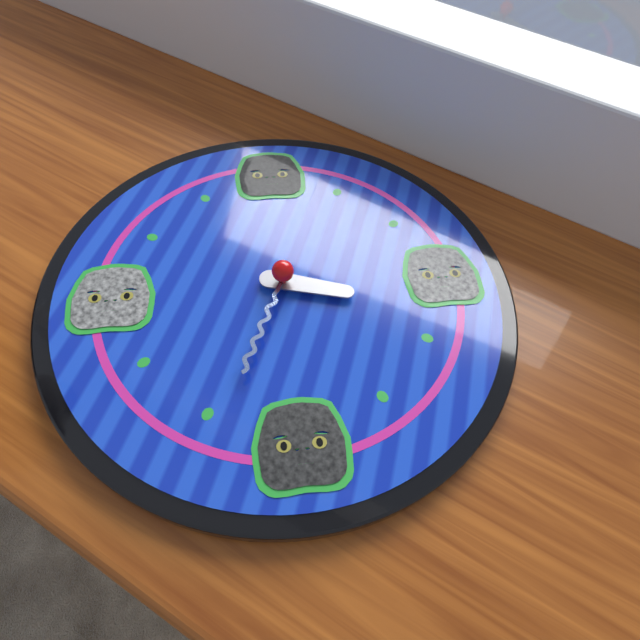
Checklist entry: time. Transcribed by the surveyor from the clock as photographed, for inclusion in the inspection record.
3:34
